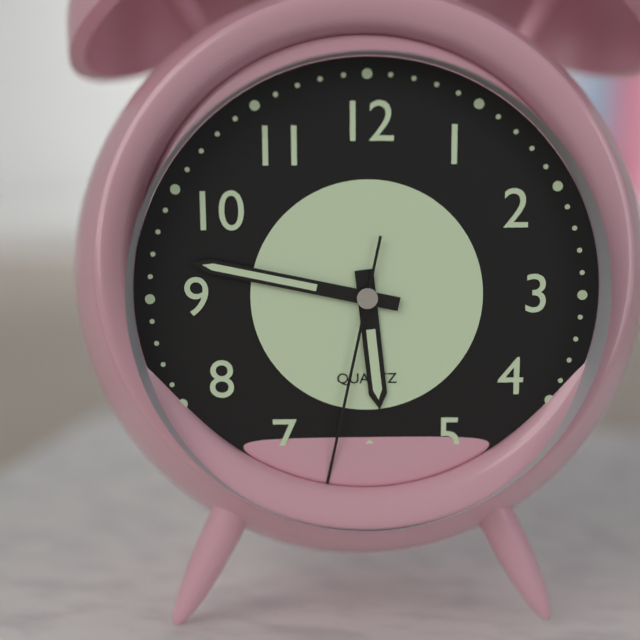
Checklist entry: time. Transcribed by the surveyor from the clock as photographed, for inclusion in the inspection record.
5:47:32
